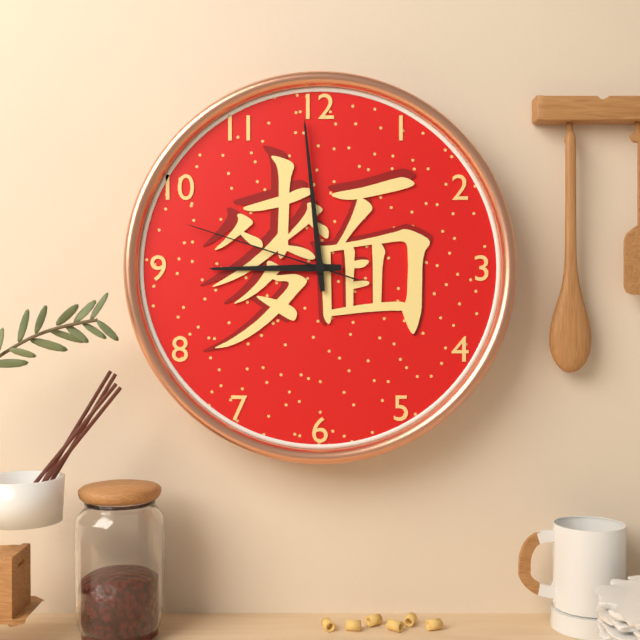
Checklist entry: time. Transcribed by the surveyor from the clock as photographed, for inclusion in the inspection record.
8:59:48
